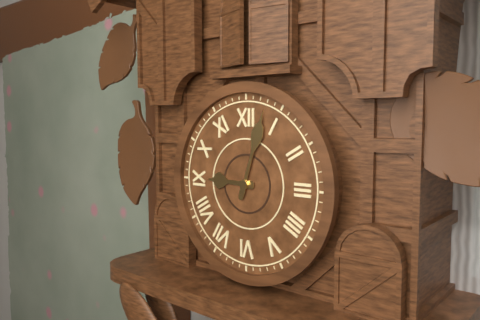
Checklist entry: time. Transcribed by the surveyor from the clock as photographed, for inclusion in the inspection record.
9:03
